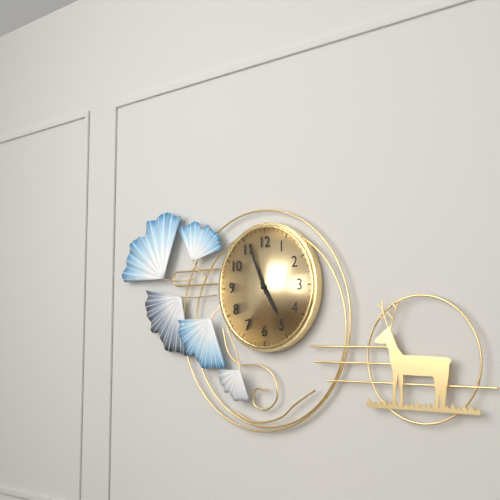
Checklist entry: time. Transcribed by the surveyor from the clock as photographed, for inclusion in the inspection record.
4:56
